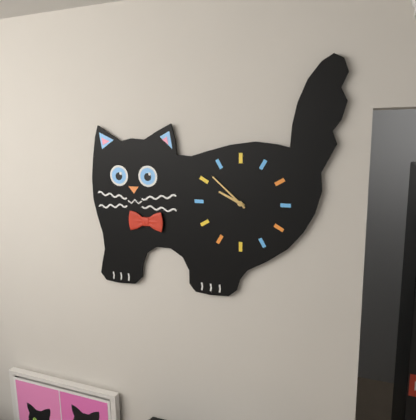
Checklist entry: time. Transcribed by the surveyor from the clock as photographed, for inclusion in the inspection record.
9:52
